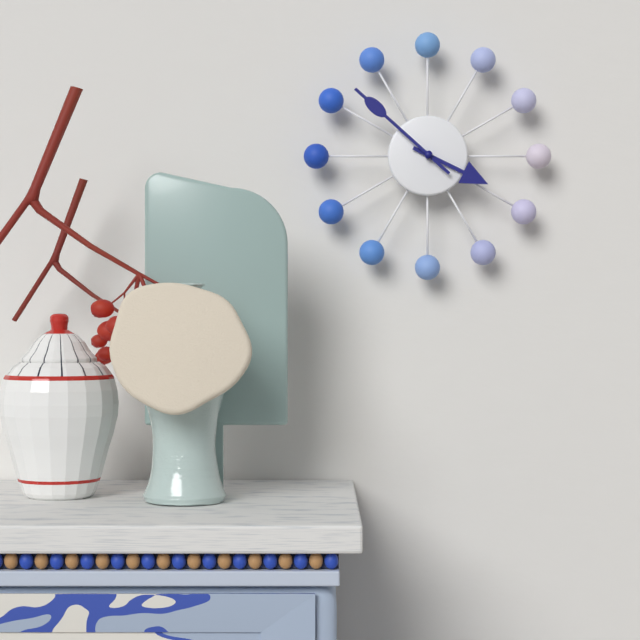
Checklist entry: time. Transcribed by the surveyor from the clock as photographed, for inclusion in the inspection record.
3:52
